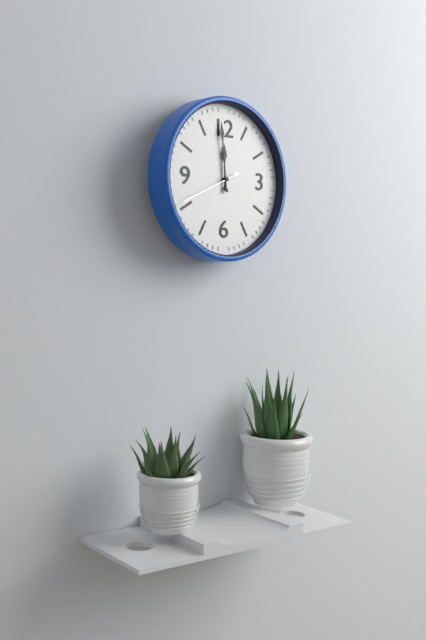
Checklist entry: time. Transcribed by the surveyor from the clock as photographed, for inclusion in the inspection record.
11:59:41
